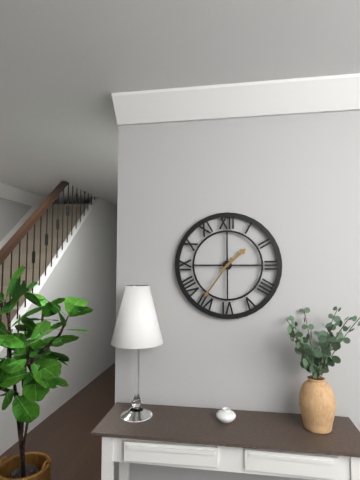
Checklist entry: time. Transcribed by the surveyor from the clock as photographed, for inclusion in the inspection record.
1:36
